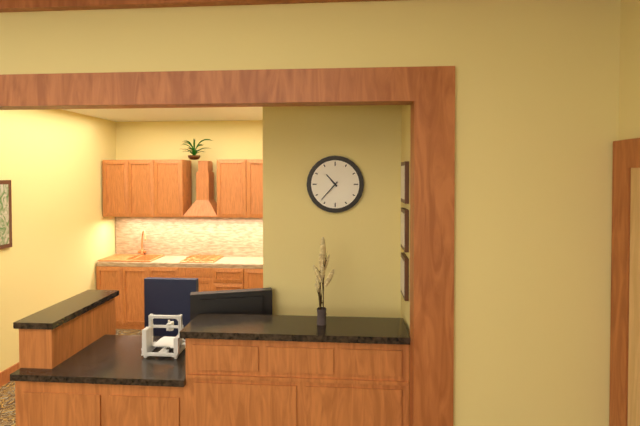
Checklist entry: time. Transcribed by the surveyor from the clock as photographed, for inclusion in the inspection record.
10:37
